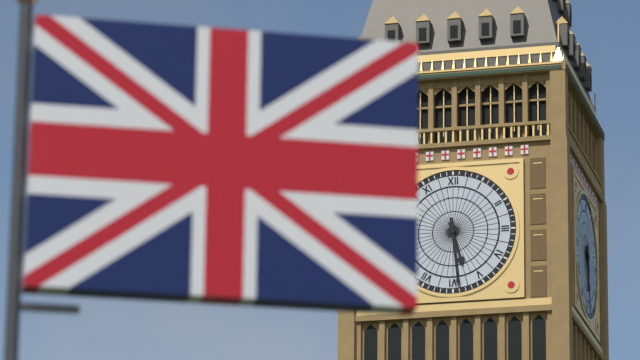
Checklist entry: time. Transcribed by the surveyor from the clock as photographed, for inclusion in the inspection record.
5:29
